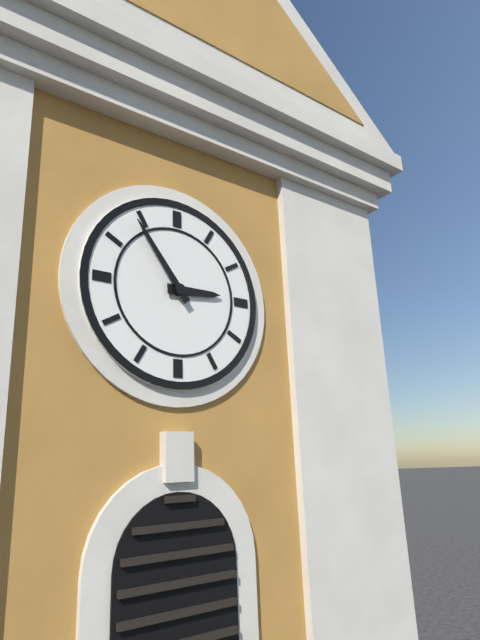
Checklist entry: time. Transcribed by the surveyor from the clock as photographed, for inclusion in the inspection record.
2:54
